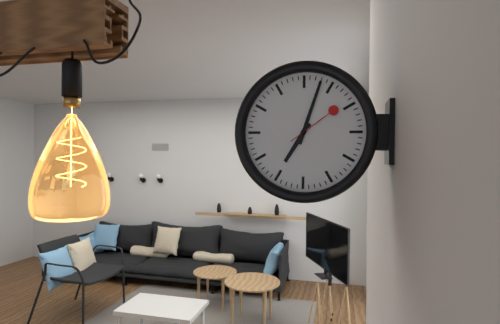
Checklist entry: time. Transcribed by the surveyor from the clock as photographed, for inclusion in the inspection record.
7:03:09
